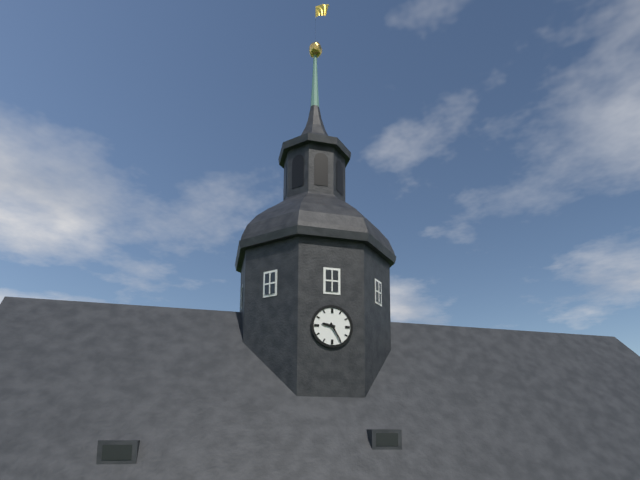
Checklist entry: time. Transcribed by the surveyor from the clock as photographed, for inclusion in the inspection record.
9:25
